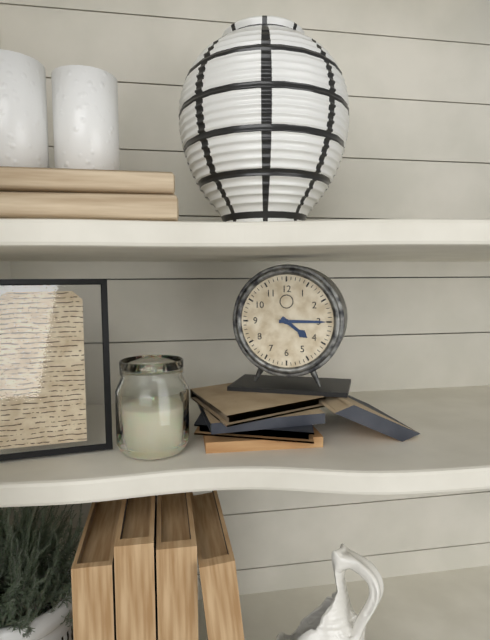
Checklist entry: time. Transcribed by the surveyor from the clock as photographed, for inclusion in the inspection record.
4:15
